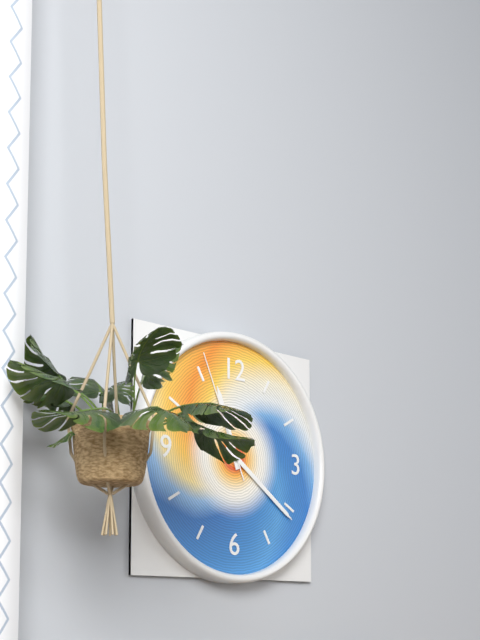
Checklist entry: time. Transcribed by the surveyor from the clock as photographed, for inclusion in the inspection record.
11:21:56
